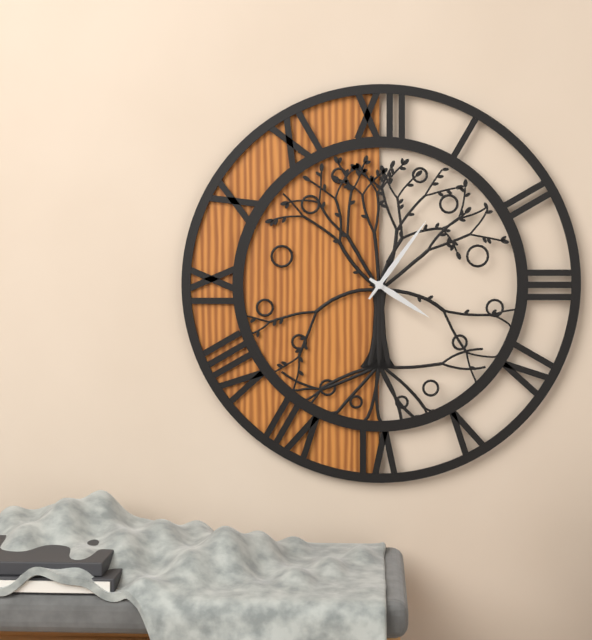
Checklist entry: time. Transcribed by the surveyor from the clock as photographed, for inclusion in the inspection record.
4:06
